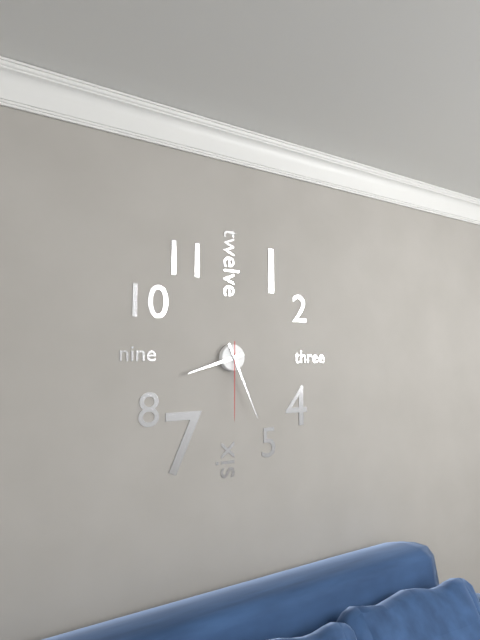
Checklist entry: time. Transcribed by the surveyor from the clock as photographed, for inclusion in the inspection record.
8:26:30
